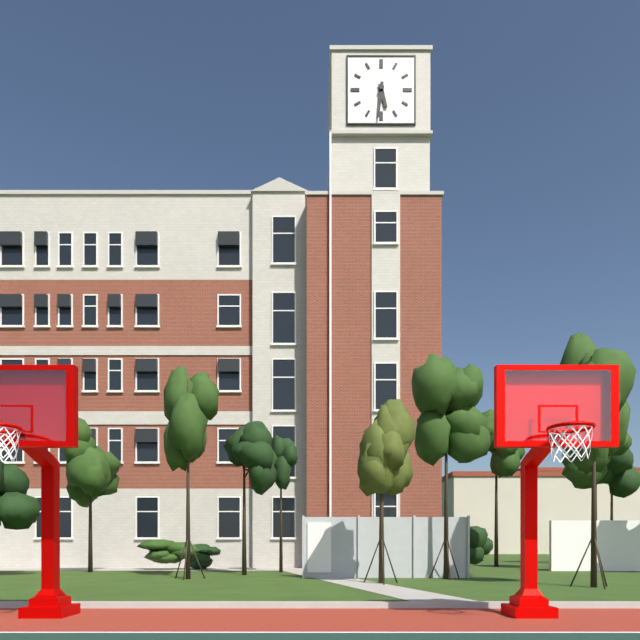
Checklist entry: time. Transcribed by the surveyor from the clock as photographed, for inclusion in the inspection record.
5:31
